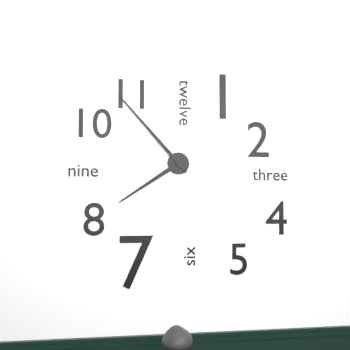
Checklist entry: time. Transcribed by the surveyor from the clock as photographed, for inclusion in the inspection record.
7:53
